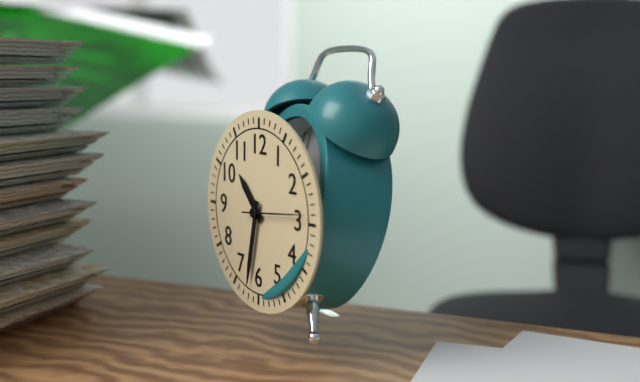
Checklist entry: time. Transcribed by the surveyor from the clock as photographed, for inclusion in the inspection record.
10:32:14
